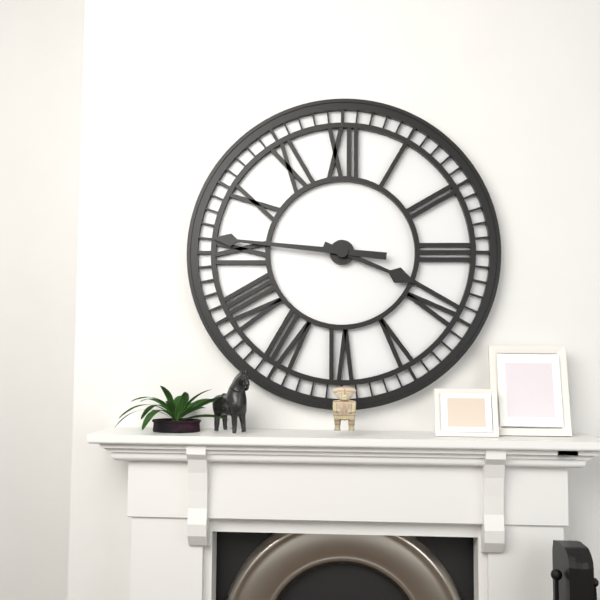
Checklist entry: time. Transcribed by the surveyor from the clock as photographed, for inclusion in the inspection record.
3:46
